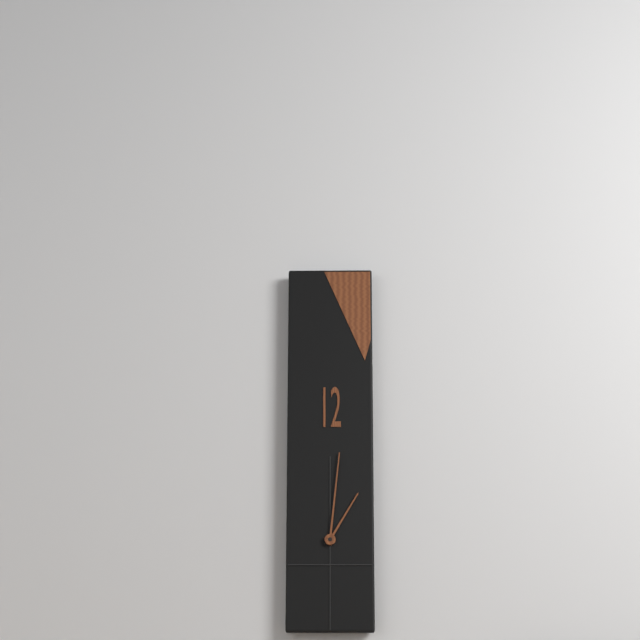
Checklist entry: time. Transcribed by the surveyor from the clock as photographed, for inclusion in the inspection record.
1:01
